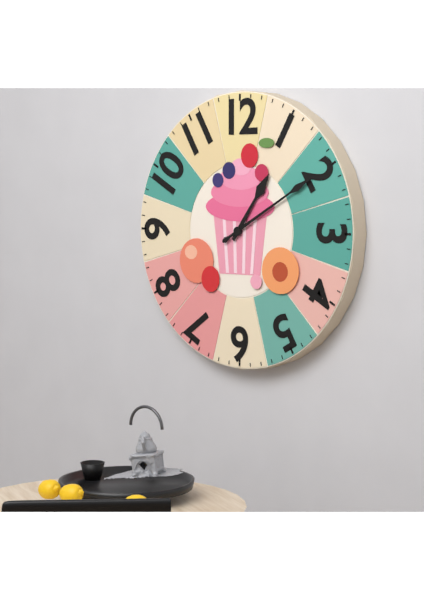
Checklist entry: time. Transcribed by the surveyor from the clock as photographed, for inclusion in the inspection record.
1:10
